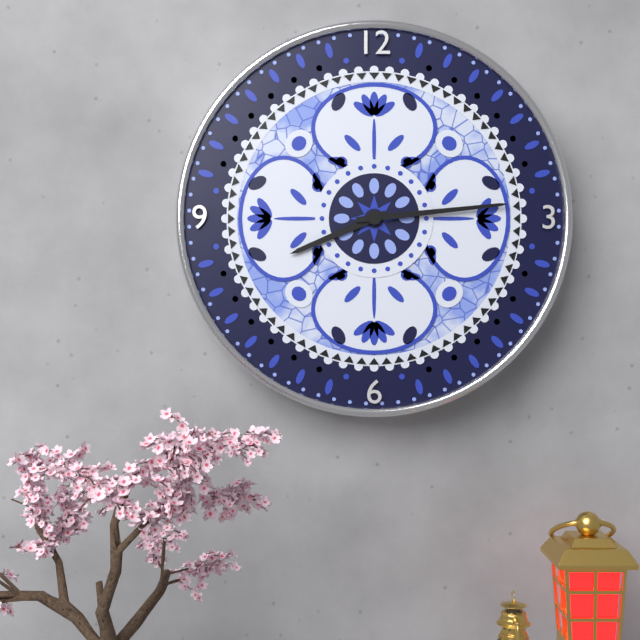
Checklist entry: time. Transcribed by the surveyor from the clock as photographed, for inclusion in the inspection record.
8:14
